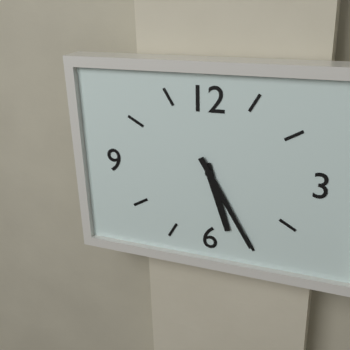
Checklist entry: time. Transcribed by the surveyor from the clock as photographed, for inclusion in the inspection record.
5:25
